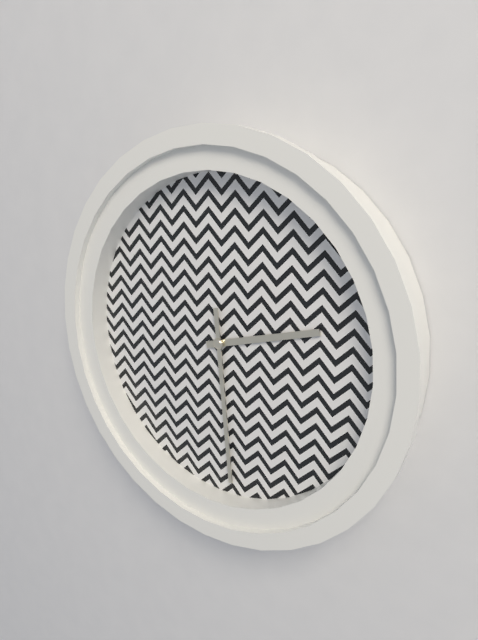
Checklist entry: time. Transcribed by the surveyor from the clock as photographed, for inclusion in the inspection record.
2:29
